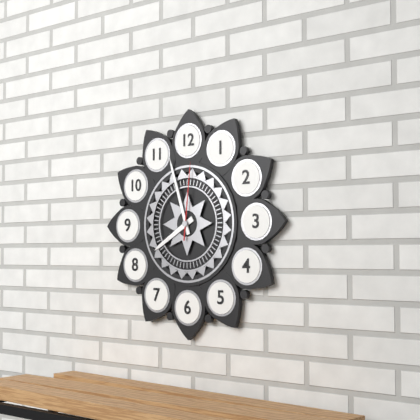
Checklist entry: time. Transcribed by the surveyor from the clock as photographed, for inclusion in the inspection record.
7:57:01
